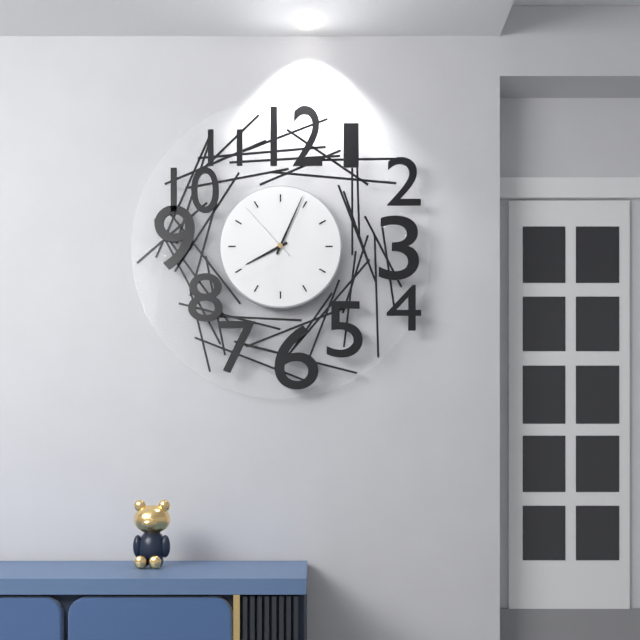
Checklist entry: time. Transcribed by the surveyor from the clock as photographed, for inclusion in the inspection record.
8:04:53
